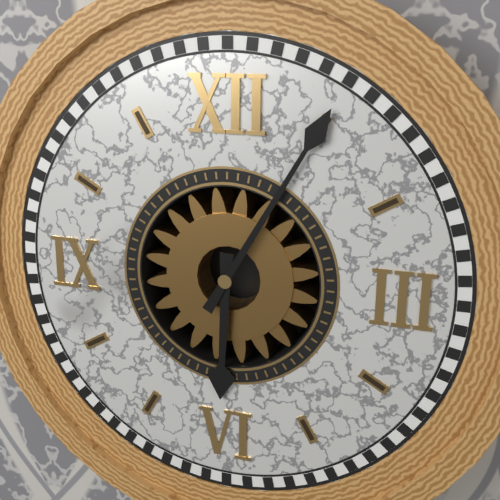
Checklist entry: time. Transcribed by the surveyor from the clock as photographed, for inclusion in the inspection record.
6:05
